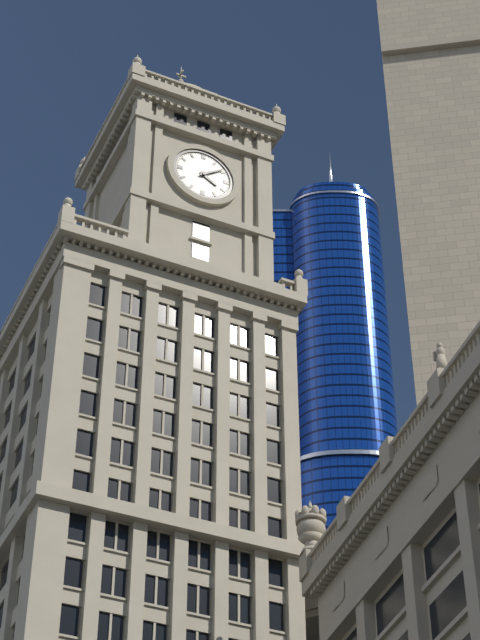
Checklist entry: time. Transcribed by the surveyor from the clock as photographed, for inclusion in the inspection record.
4:09
